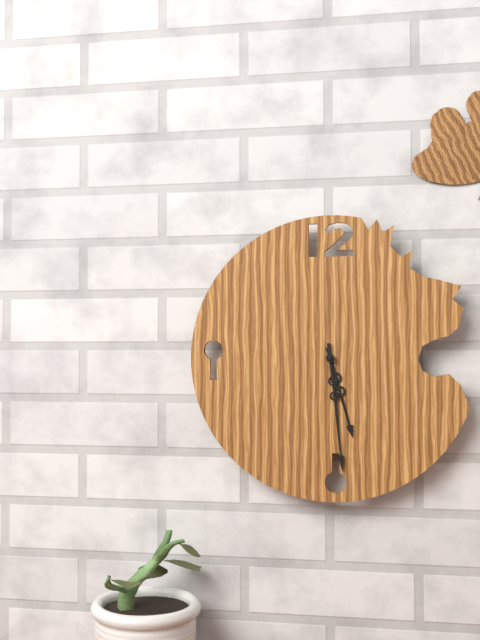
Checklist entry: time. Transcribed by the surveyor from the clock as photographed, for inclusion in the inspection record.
5:29
